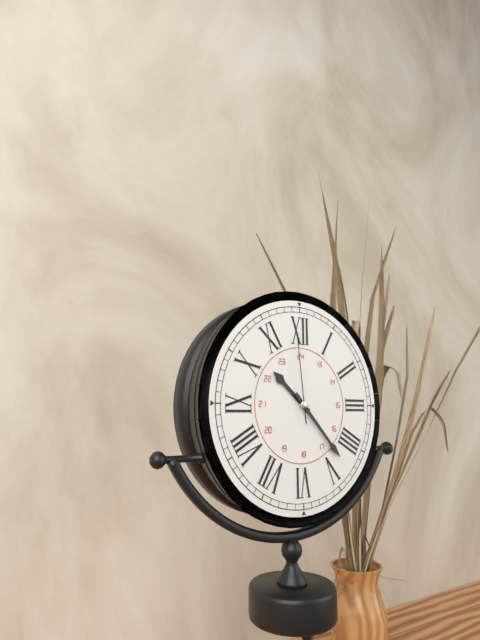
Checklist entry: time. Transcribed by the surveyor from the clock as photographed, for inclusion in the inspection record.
10:23:59
